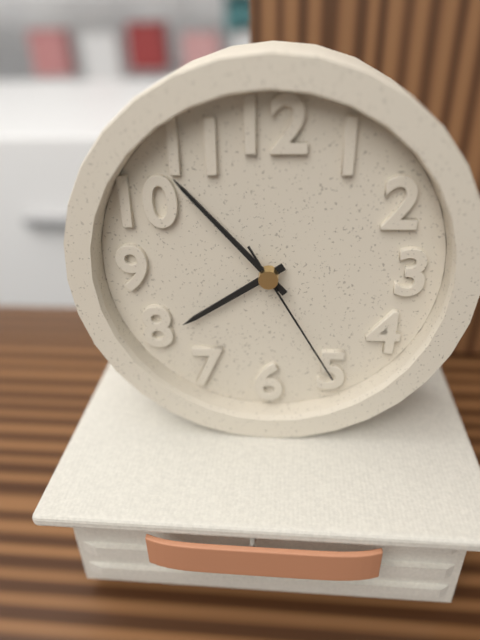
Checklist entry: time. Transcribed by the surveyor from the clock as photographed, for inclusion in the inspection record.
7:53:25
